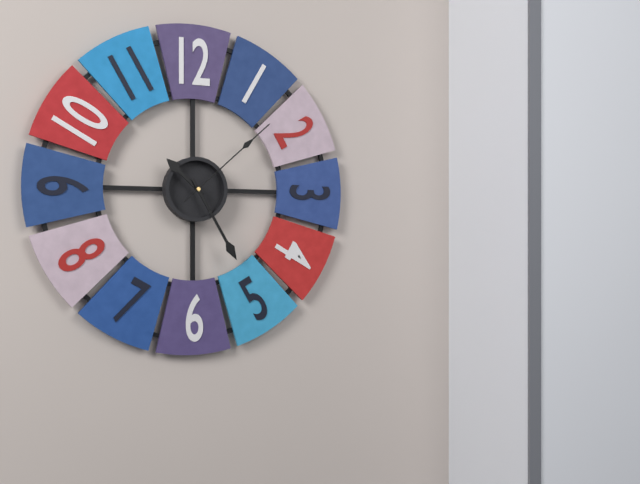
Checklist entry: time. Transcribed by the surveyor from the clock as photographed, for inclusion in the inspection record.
10:25:08
